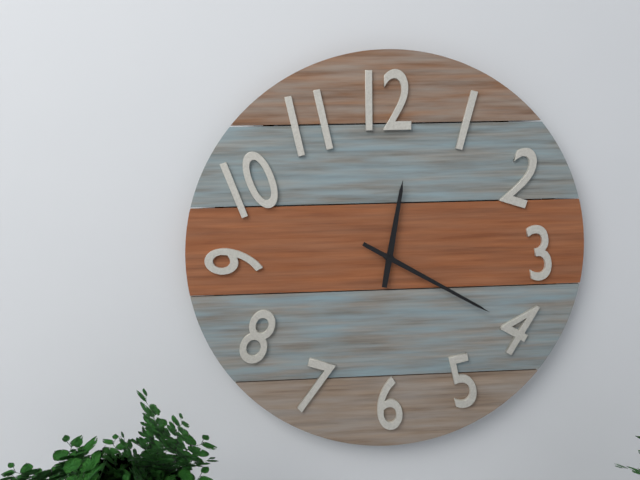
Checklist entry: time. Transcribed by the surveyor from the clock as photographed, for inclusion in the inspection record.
12:20
